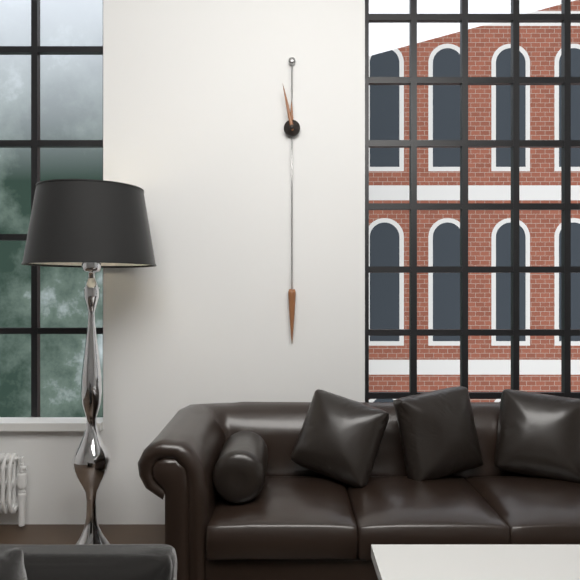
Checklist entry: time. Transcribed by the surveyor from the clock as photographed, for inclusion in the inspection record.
11:58
